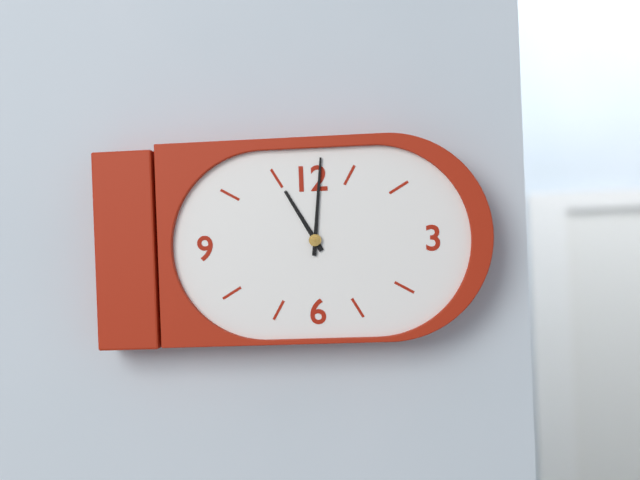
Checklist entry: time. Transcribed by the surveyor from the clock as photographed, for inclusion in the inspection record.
11:01
